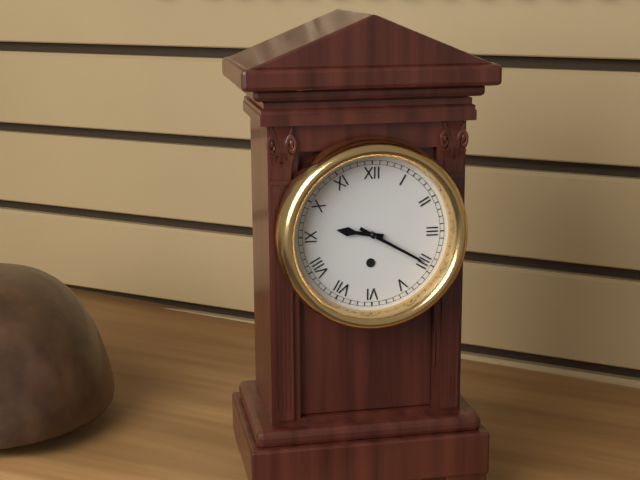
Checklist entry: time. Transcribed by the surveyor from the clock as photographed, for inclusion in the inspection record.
9:20
